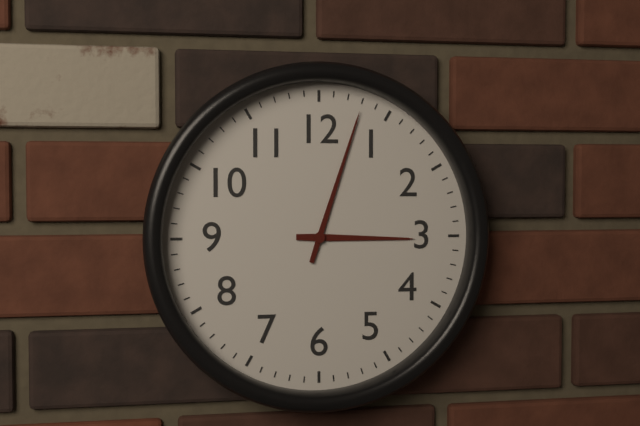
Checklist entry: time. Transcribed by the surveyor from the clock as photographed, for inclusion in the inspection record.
3:03
